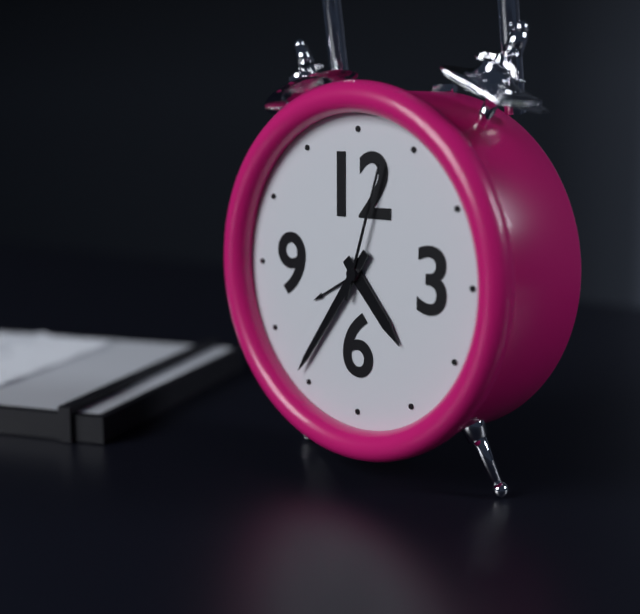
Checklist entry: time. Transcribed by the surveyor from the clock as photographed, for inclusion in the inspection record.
4:36:03
